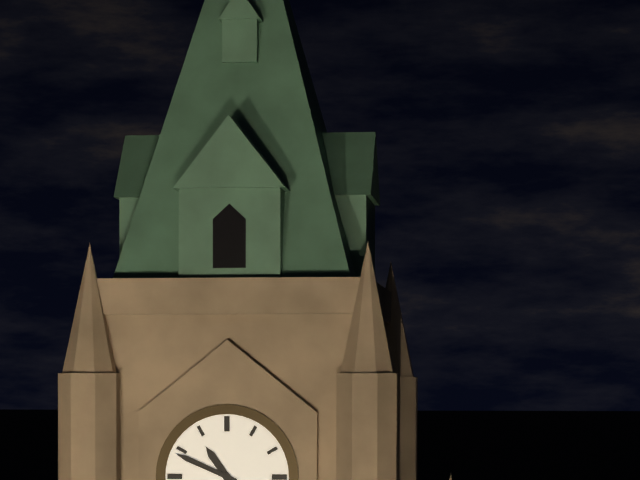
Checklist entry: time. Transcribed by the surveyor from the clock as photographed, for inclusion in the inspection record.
10:49
